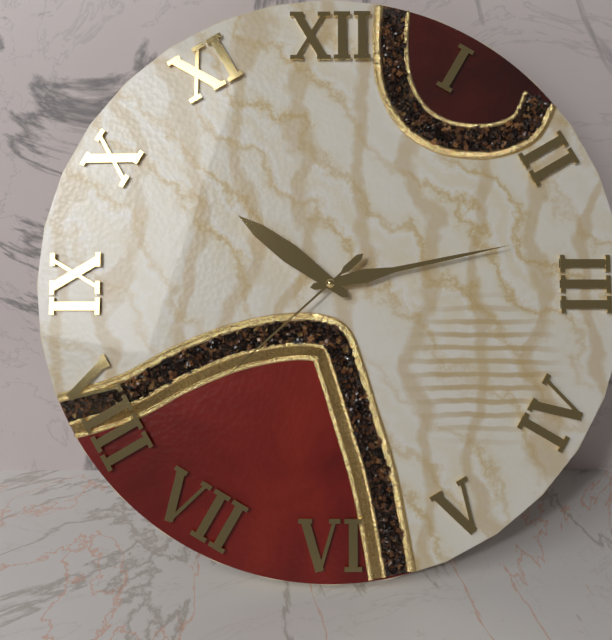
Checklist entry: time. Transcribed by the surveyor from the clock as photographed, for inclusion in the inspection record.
10:13:38
